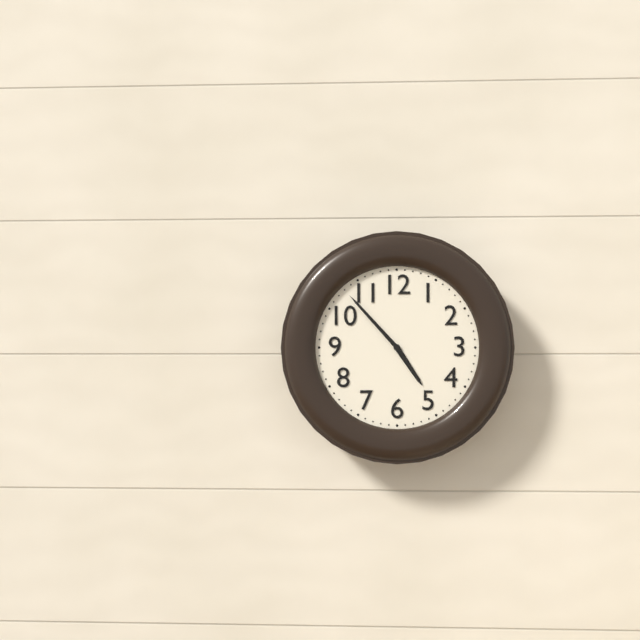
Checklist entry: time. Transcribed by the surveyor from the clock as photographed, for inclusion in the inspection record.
4:53
